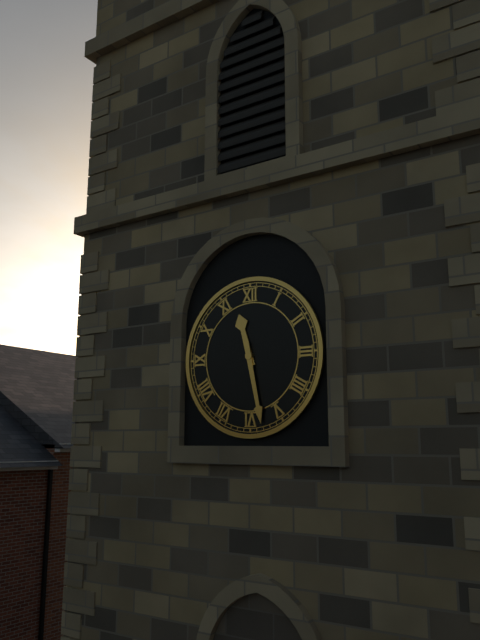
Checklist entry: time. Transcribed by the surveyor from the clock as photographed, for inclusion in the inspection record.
11:28
